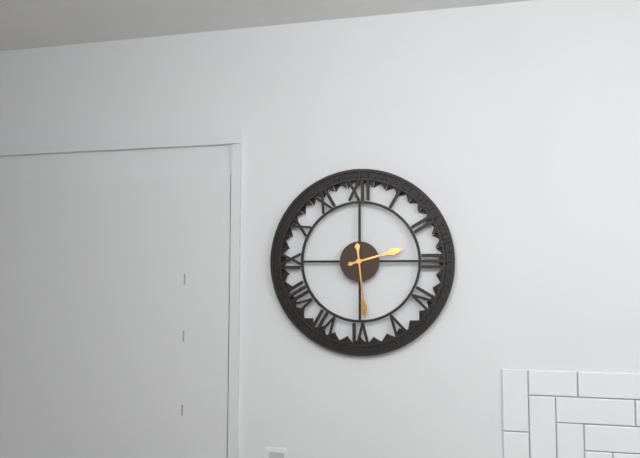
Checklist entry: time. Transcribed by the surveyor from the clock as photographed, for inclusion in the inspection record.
2:29
